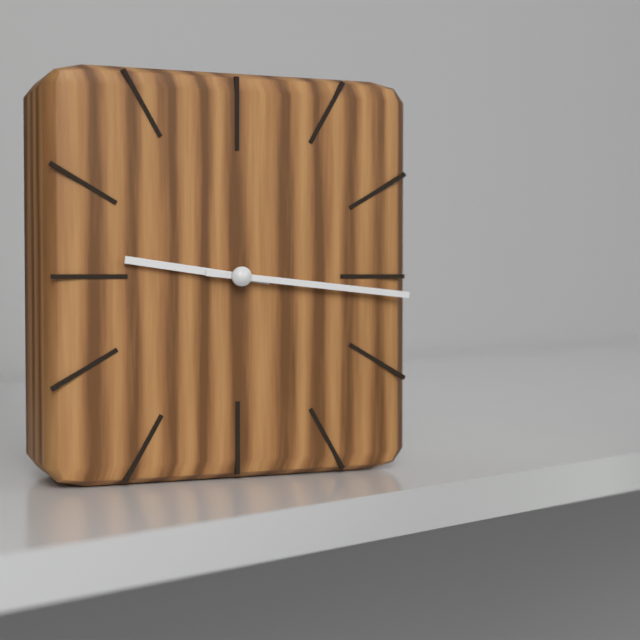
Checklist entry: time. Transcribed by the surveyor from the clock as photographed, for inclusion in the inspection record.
9:16
